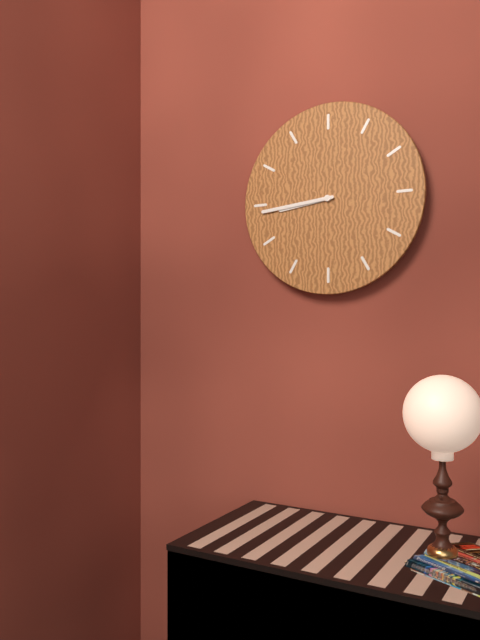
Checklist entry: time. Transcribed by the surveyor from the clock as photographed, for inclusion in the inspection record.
8:44
